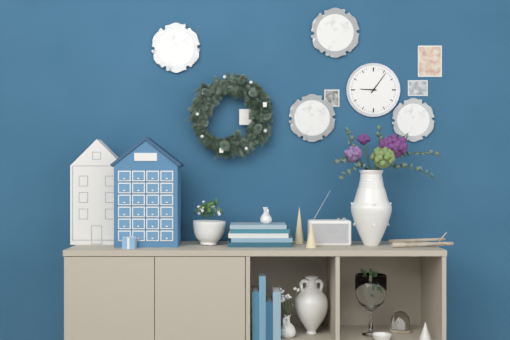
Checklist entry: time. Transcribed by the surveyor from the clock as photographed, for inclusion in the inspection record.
9:06
